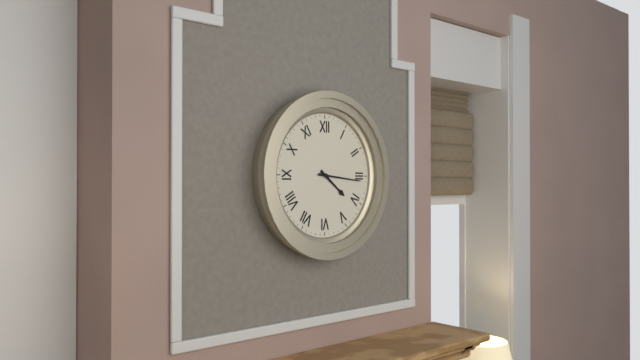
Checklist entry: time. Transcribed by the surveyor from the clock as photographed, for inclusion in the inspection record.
4:16
